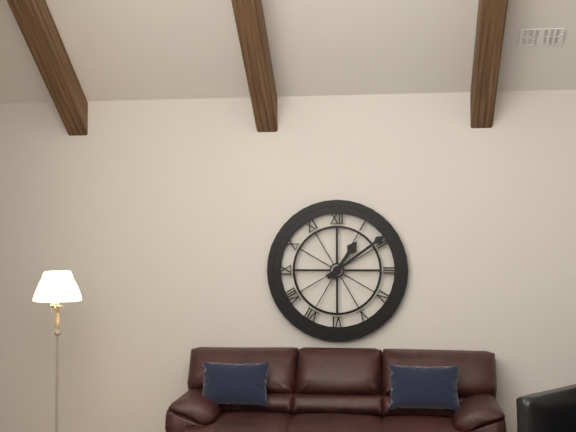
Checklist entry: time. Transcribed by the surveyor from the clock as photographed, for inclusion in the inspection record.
1:09
